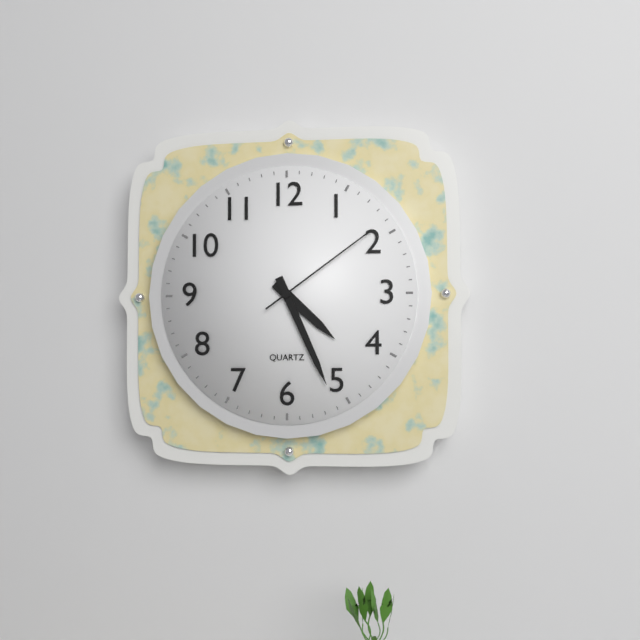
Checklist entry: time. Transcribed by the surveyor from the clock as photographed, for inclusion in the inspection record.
4:26:09
